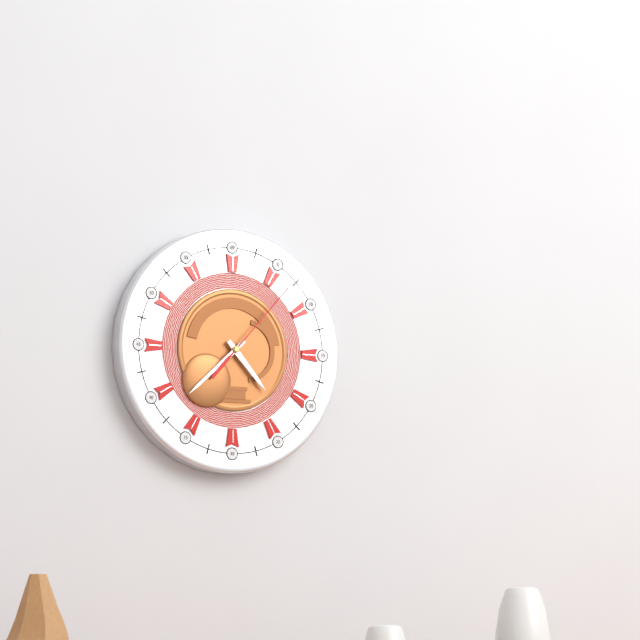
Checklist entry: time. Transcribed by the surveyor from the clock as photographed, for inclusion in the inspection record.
4:38:07
